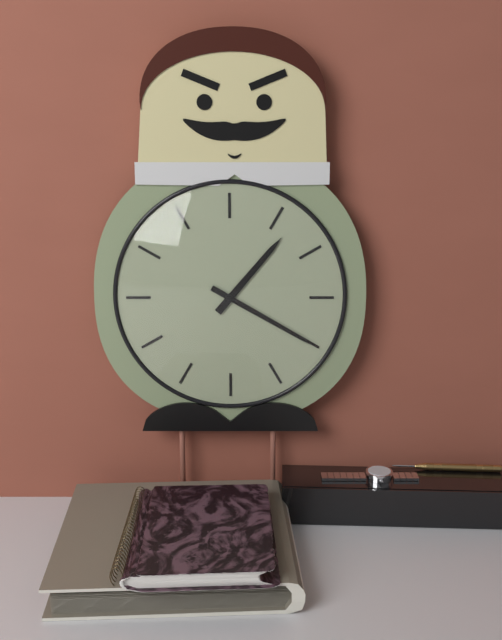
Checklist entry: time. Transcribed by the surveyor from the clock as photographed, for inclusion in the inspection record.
1:20
